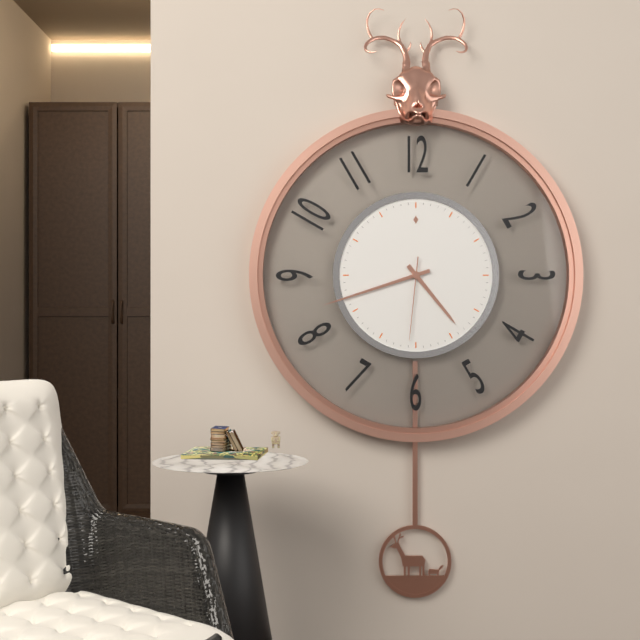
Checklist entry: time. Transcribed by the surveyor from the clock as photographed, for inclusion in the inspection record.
4:42:31
